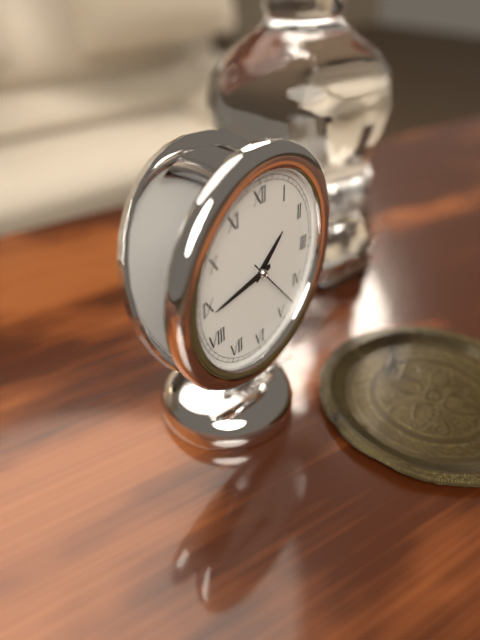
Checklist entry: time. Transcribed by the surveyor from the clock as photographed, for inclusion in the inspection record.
1:44
